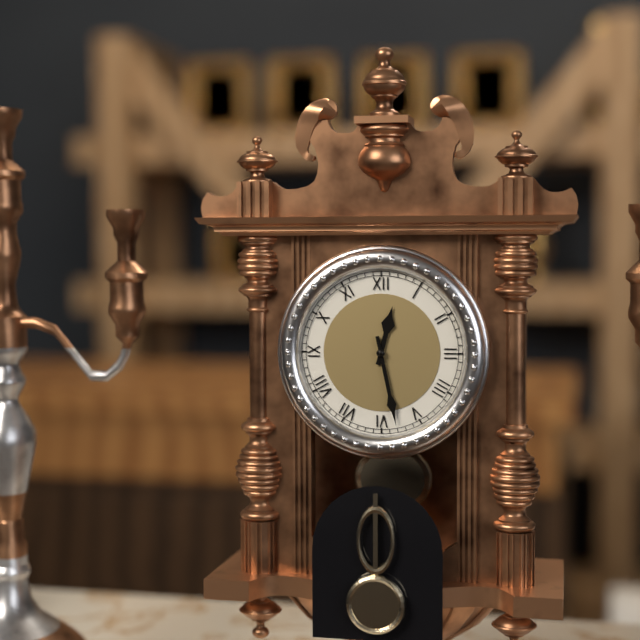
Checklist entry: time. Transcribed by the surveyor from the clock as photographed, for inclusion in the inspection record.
12:28
